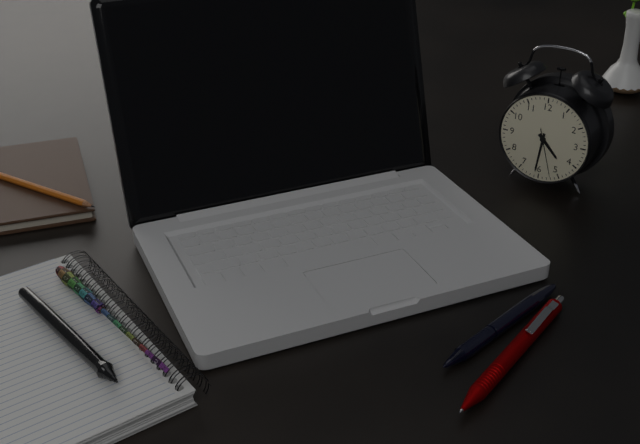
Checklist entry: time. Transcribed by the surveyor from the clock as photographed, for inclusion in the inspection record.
4:31:27
